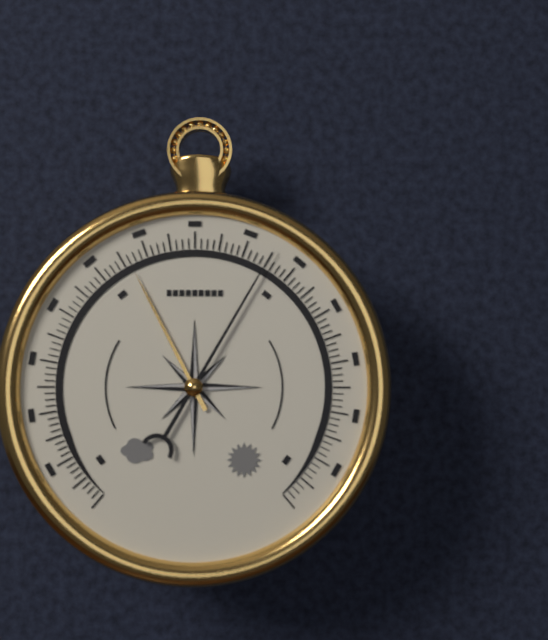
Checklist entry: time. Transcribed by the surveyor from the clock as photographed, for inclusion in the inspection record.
11:05
